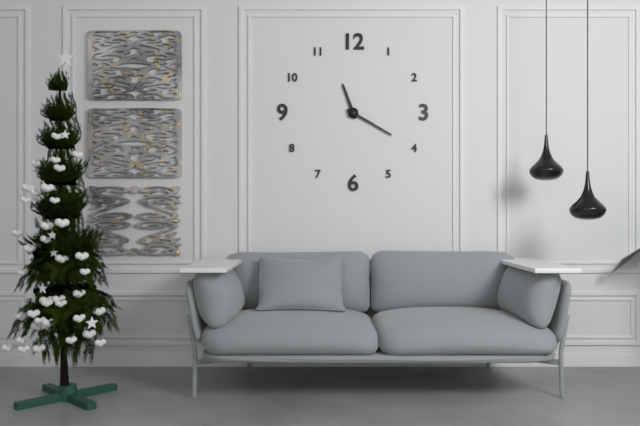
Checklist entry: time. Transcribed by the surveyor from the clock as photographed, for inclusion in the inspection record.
11:20
